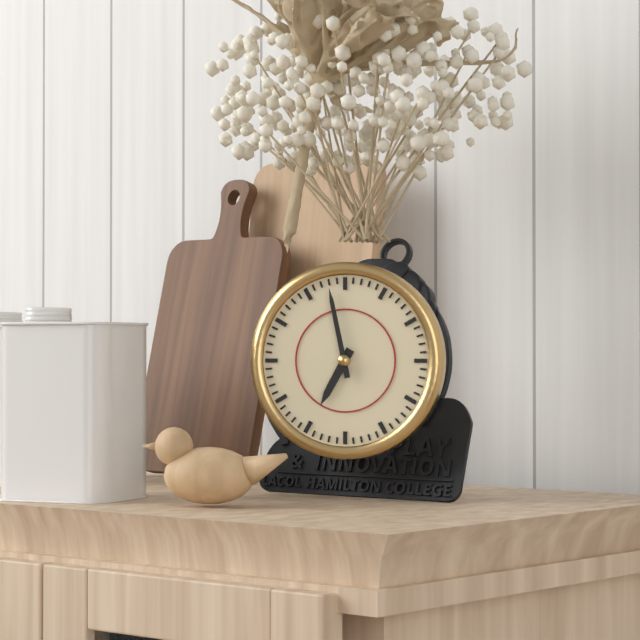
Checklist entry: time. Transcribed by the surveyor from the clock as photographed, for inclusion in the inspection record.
6:58
